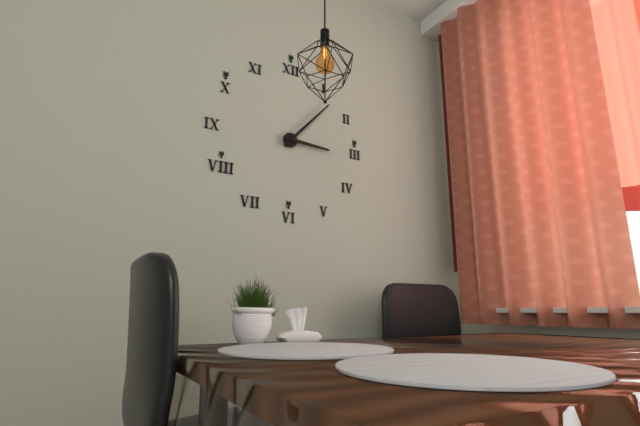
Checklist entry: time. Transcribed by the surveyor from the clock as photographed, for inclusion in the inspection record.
3:07
